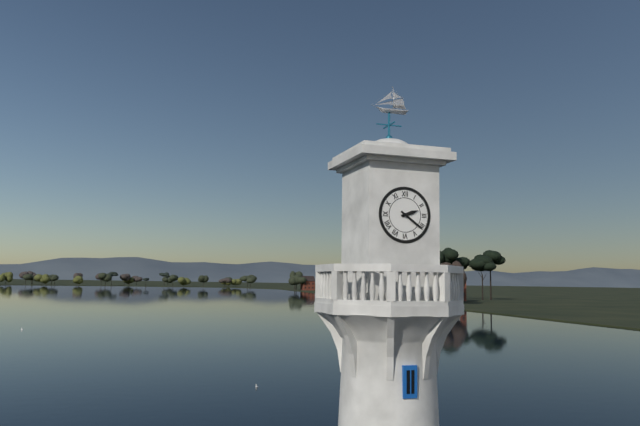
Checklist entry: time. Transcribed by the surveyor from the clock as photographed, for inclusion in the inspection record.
2:21
